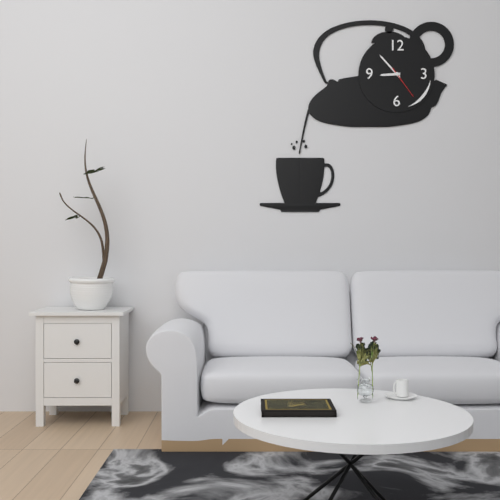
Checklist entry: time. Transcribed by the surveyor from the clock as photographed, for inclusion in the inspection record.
8:53
